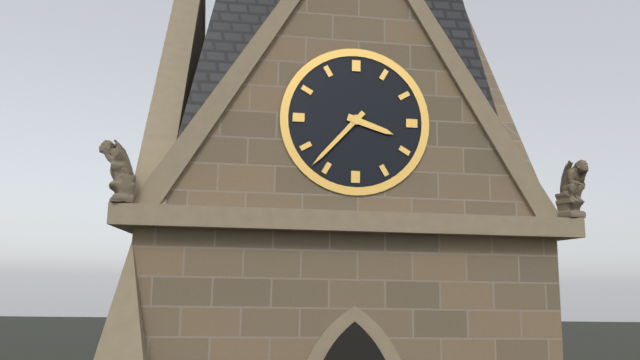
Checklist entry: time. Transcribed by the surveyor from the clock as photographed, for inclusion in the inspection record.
3:37
